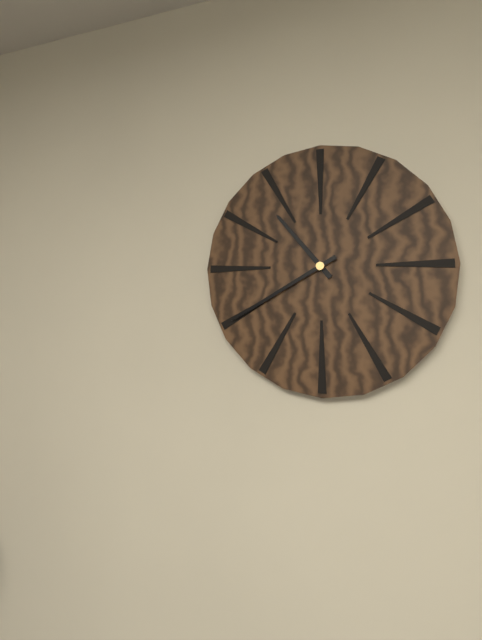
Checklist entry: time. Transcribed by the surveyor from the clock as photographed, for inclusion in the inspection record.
10:40
